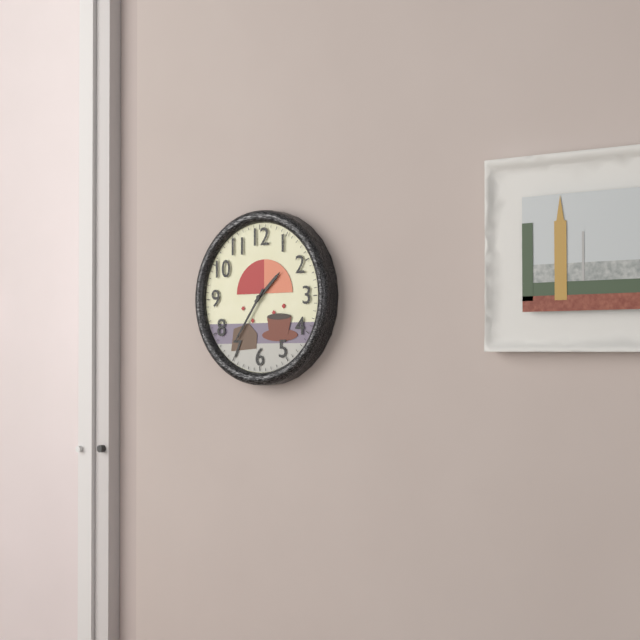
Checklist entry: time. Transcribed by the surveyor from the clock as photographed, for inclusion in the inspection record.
1:36
